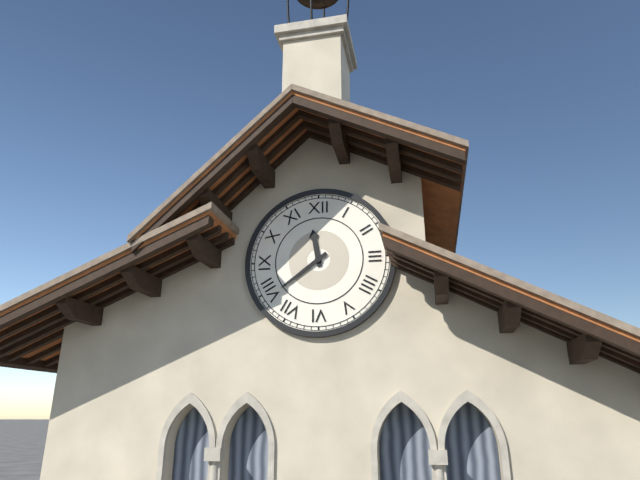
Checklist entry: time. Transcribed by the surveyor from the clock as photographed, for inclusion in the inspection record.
11:39
